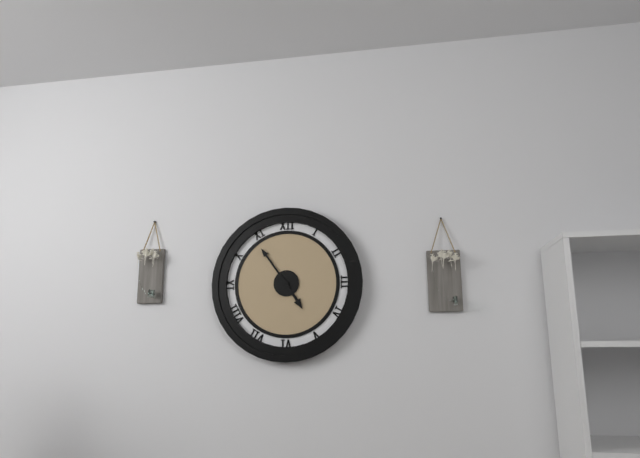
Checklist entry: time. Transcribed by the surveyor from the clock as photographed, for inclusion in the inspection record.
4:54
